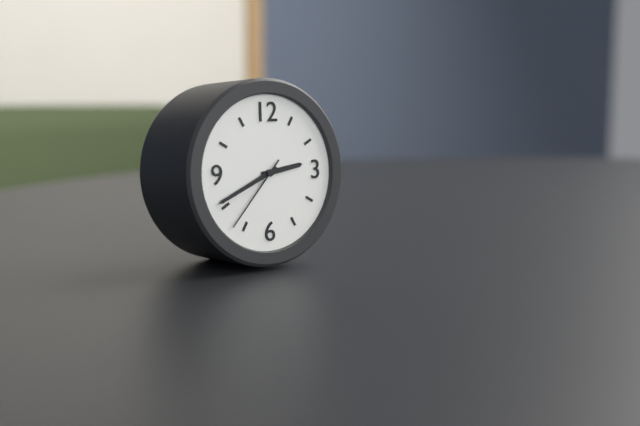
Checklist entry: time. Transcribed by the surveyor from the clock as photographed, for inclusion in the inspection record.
2:41:37
